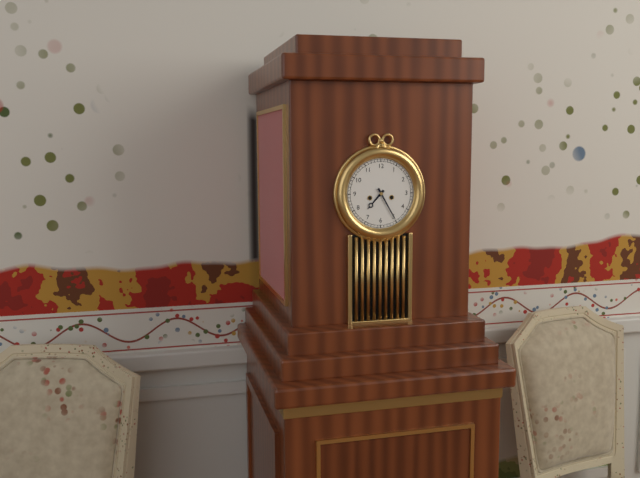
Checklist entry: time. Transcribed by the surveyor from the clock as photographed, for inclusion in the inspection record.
7:25
